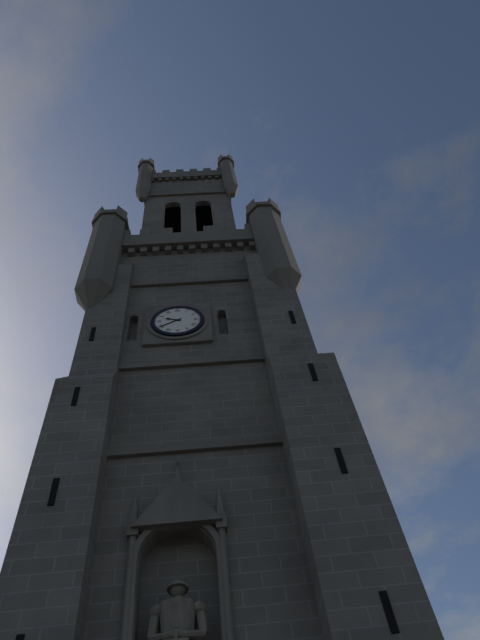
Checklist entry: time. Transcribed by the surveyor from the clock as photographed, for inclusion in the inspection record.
9:40
